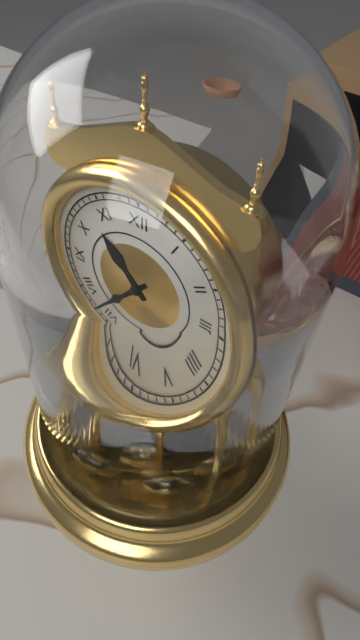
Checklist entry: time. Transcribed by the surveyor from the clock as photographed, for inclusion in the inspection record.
10:37
